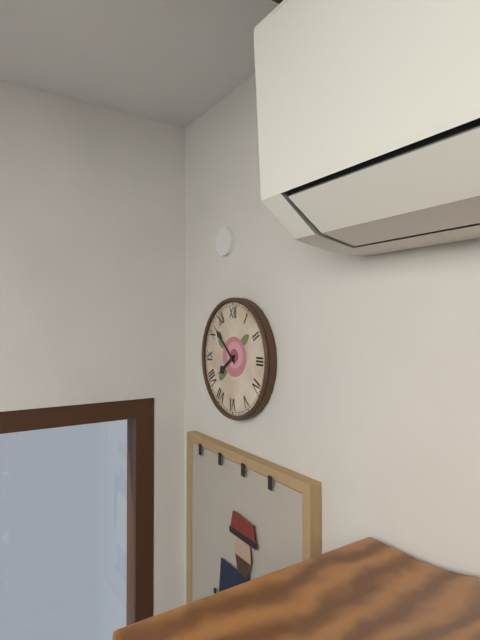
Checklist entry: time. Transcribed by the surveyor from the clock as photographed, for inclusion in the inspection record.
7:52
